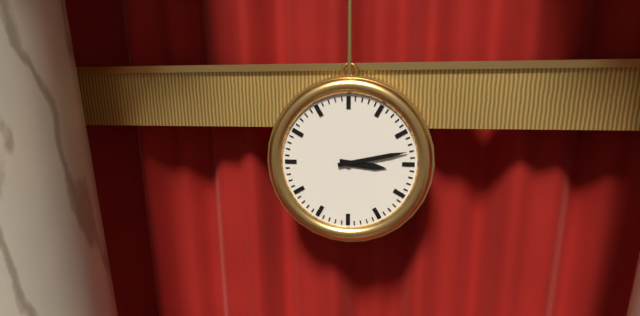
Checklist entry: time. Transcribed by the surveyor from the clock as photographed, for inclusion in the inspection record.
3:13
